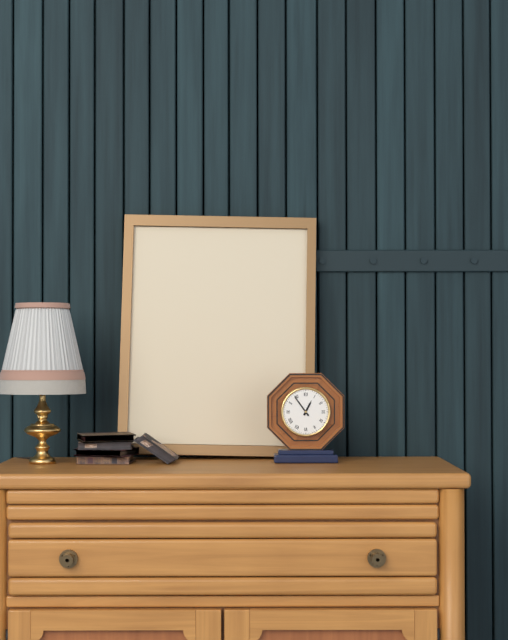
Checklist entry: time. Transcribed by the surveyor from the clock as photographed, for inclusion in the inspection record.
12:54
